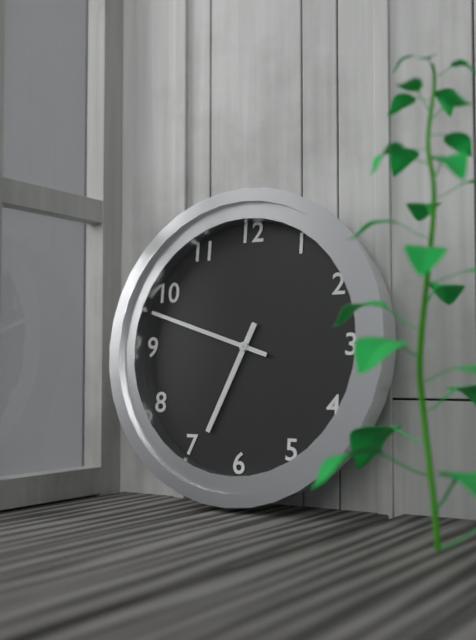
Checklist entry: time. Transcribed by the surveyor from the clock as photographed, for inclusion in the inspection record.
6:48
